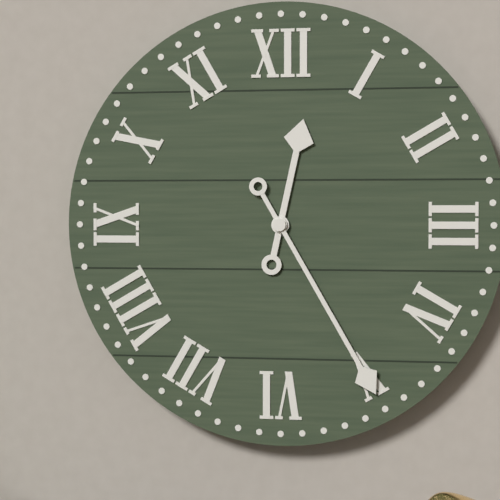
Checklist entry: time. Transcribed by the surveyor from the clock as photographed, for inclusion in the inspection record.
12:25
